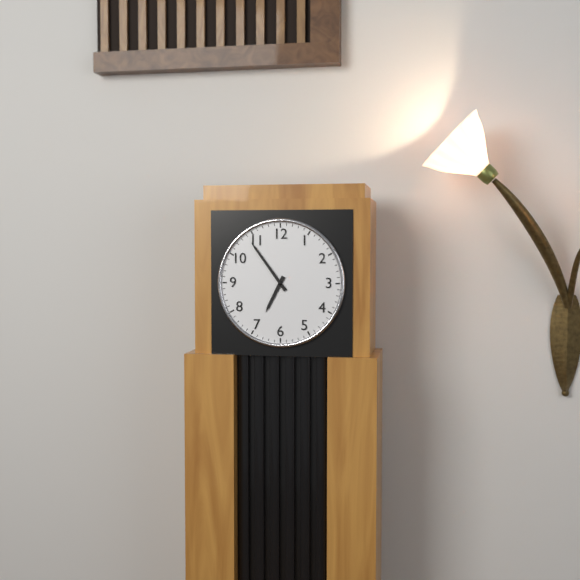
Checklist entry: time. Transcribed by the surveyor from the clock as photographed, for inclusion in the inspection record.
6:54
